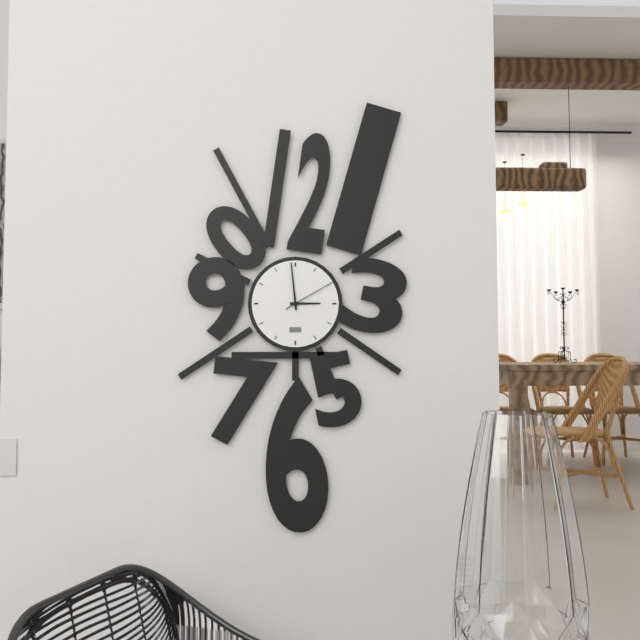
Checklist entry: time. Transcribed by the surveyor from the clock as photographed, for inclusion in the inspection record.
2:59:10
